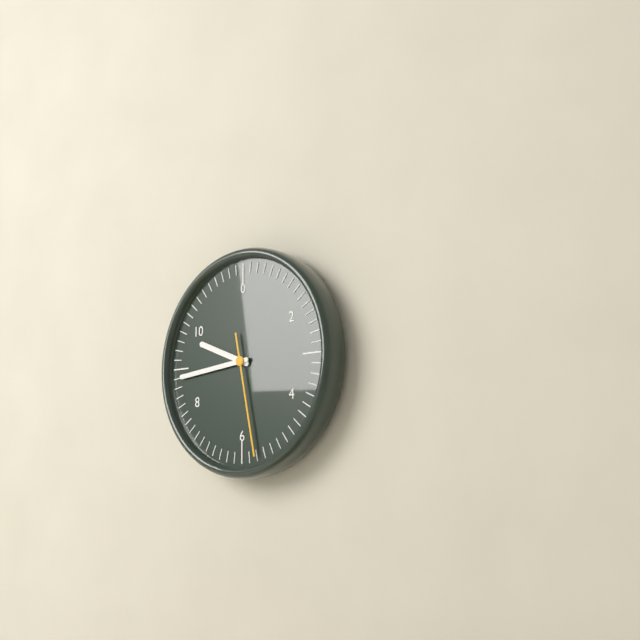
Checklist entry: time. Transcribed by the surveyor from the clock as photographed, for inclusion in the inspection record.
9:44:28
